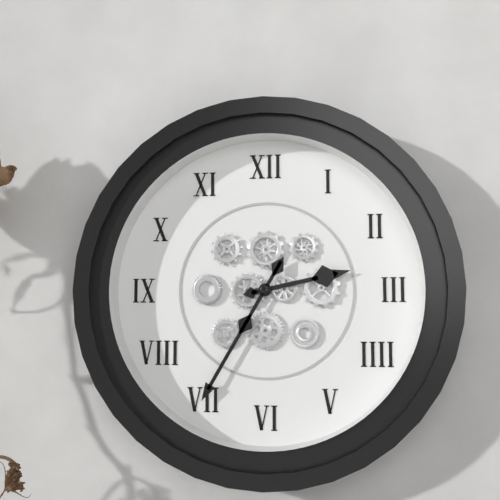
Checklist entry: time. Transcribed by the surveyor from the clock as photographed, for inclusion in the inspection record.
2:35
